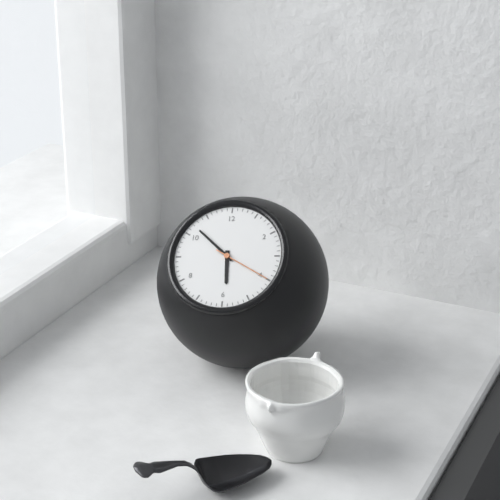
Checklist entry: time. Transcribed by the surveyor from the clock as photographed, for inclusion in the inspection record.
5:52
